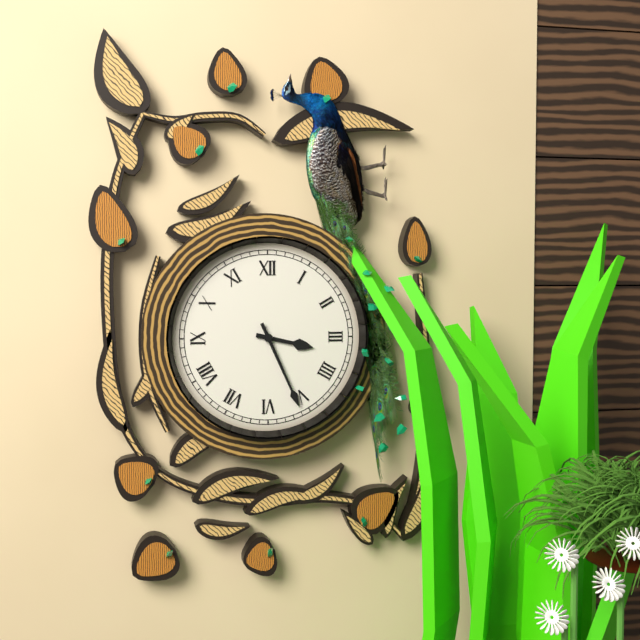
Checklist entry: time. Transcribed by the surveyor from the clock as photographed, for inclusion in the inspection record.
3:26
